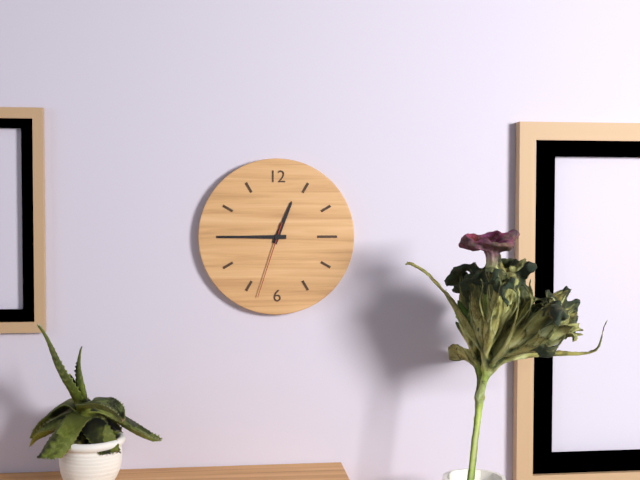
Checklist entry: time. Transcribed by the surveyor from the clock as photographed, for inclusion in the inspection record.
12:45:33
